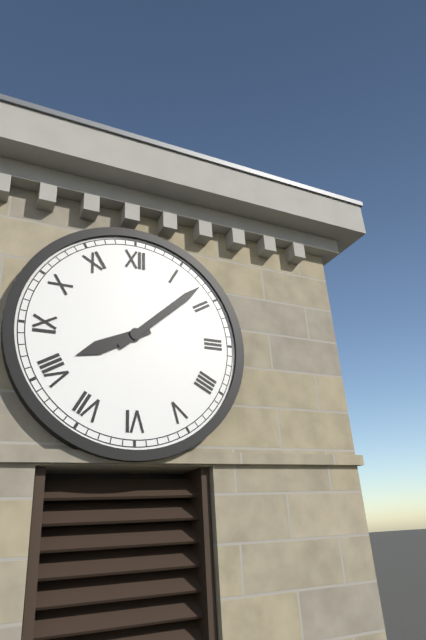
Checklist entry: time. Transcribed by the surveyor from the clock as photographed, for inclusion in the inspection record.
8:08
